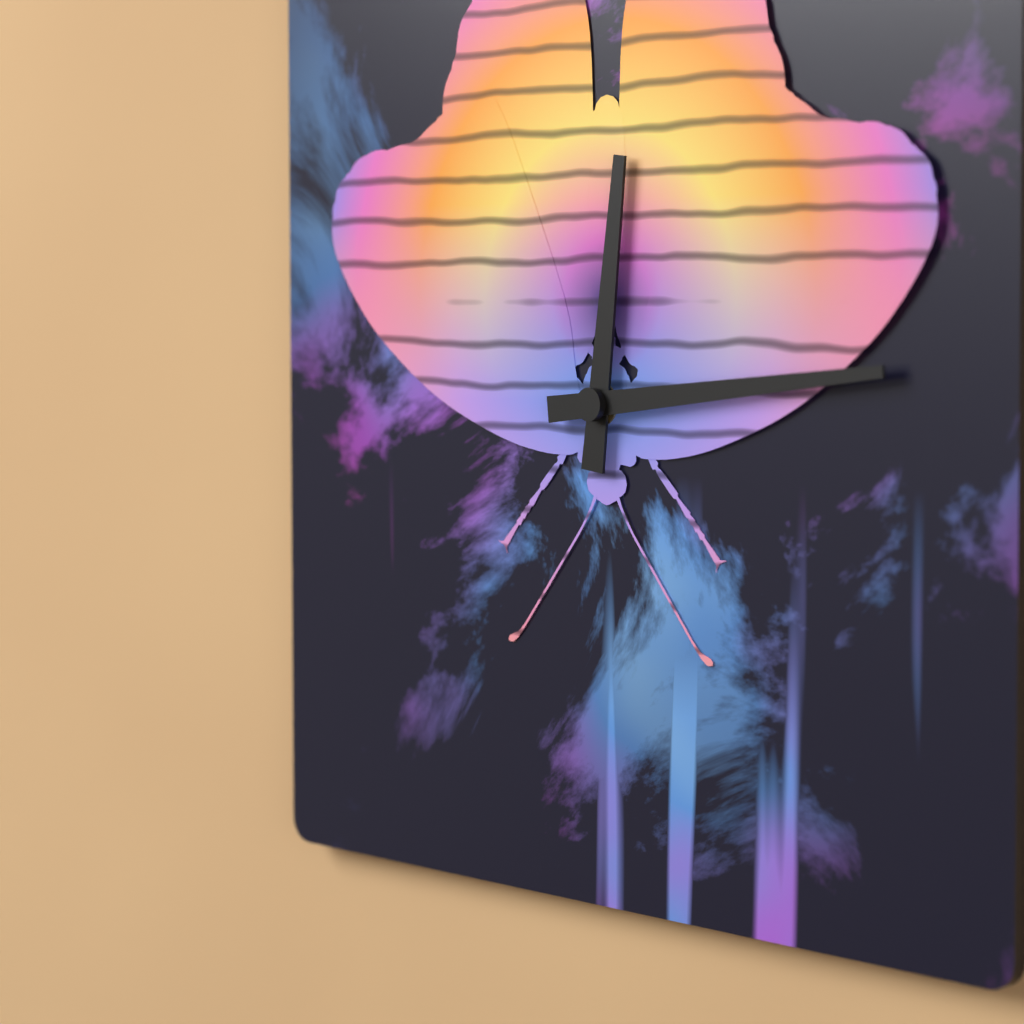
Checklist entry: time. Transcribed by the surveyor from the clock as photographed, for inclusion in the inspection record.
12:14
